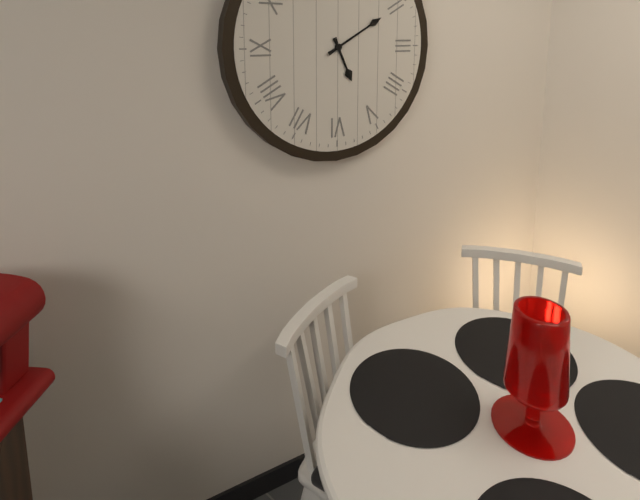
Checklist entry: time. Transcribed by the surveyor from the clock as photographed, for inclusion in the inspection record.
5:10
